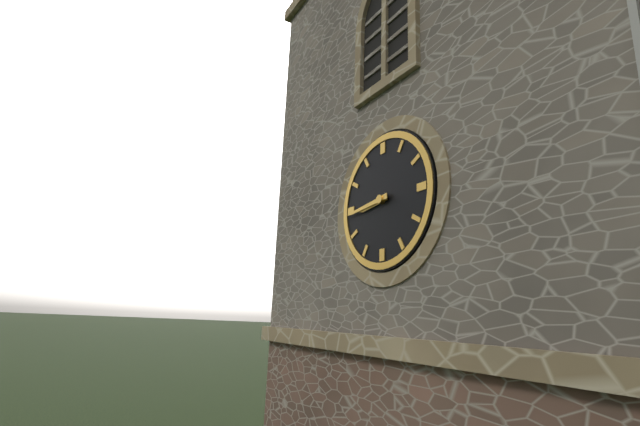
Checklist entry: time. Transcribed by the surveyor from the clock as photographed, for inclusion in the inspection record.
8:44
